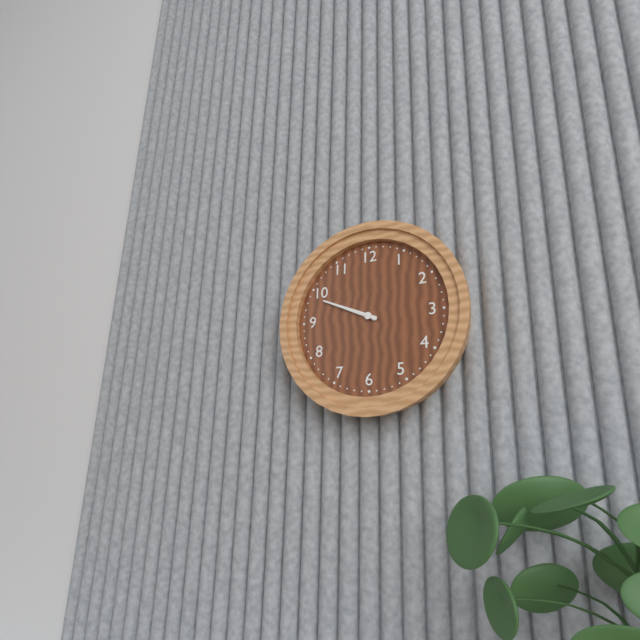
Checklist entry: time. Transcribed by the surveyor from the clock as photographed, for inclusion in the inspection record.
9:49
